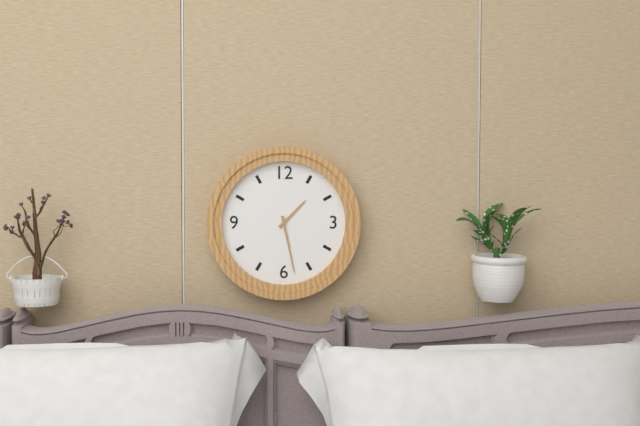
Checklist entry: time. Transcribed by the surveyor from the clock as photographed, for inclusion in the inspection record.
1:28
